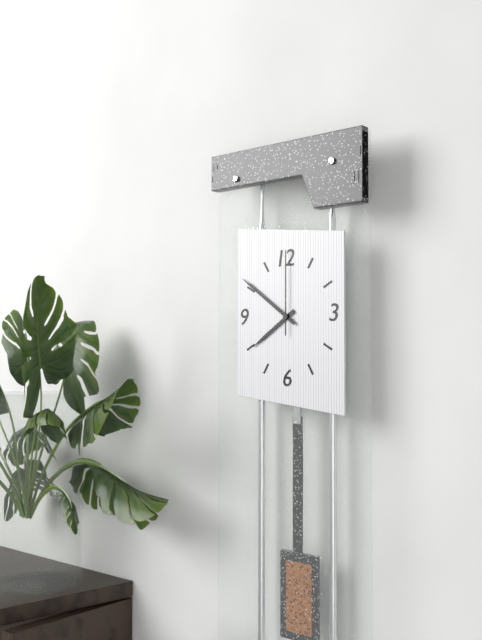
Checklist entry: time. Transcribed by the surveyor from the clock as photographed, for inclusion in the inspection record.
7:51:00
